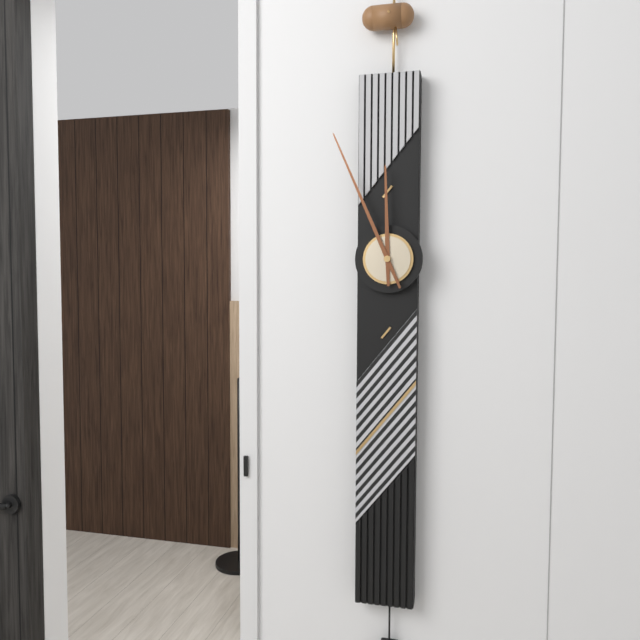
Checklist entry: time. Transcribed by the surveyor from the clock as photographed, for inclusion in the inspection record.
11:56
